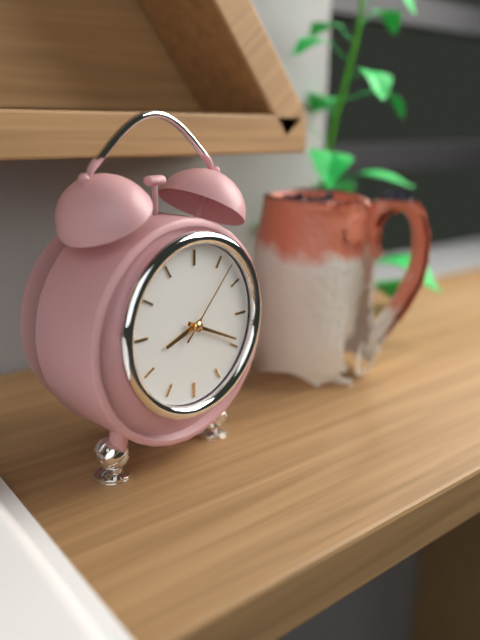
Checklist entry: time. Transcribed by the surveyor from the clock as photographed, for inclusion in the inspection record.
8:19:07
